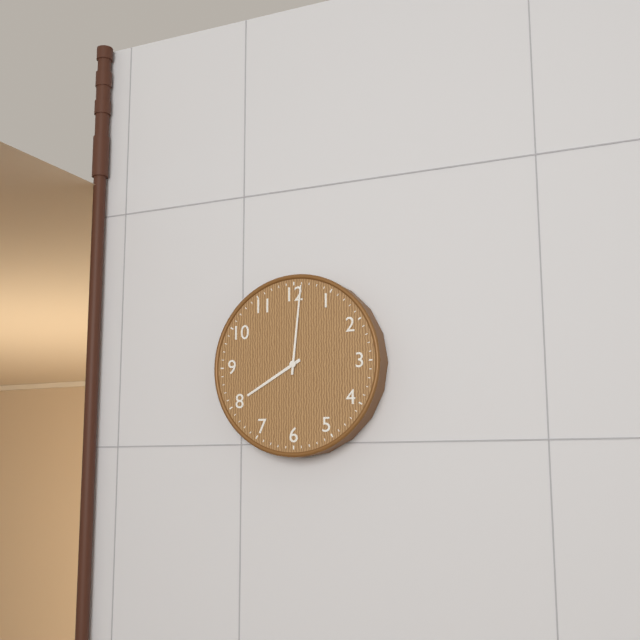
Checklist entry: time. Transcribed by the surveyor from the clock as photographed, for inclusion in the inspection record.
8:01
